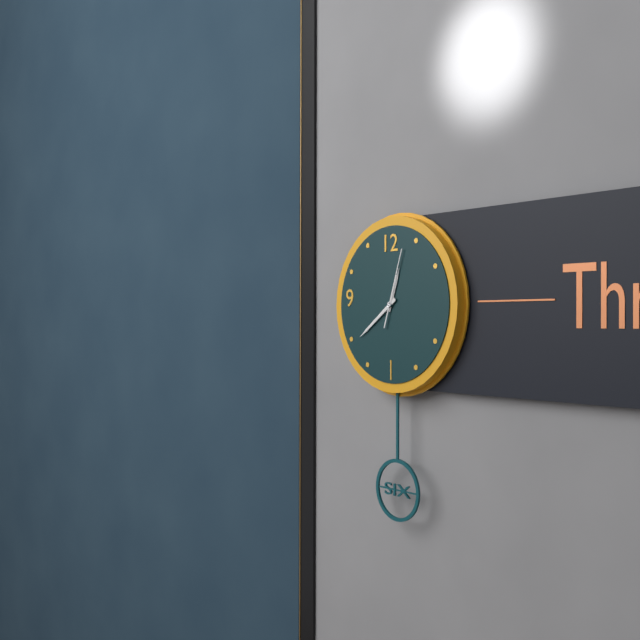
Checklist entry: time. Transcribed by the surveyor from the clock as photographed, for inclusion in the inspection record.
12:39:03
